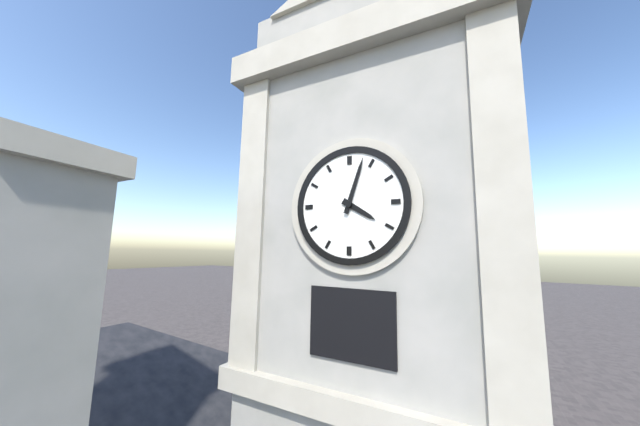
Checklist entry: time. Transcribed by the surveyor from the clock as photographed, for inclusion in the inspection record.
4:03
